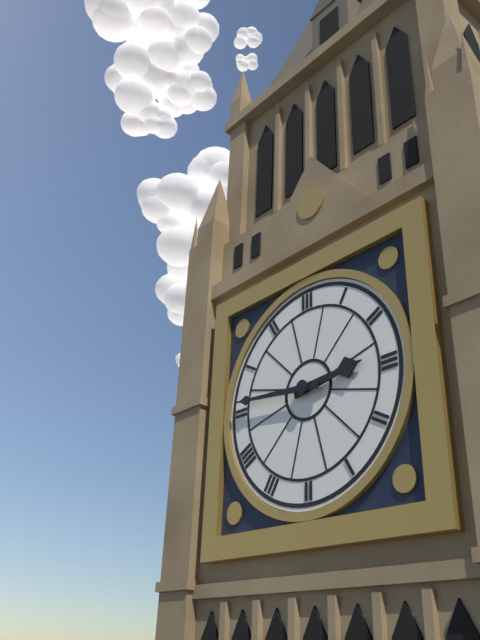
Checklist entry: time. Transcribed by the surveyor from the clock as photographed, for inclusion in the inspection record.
2:46
